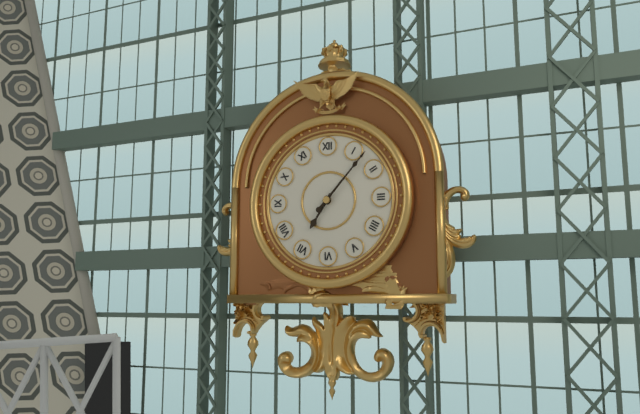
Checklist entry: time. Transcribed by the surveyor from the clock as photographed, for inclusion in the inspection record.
7:07
